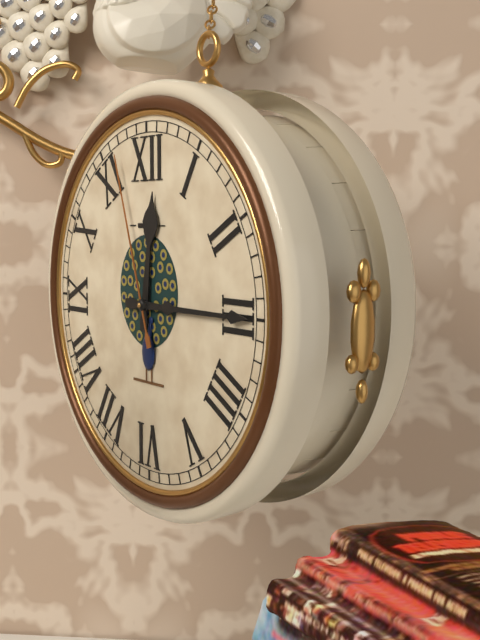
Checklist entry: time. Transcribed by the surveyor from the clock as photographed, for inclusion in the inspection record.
12:15:57
